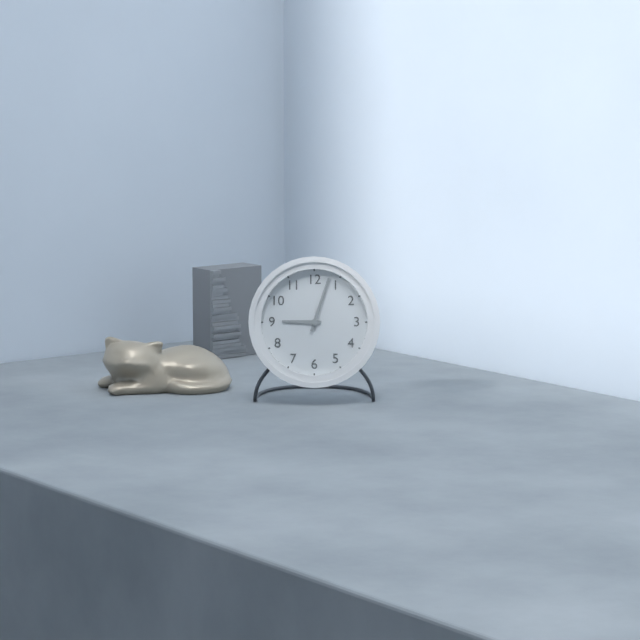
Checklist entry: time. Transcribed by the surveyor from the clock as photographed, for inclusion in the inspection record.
9:03
